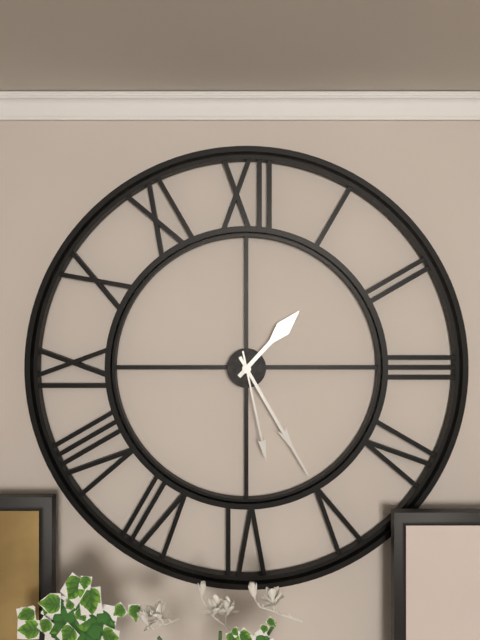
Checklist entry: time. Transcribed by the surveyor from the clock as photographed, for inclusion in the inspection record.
1:25:28
